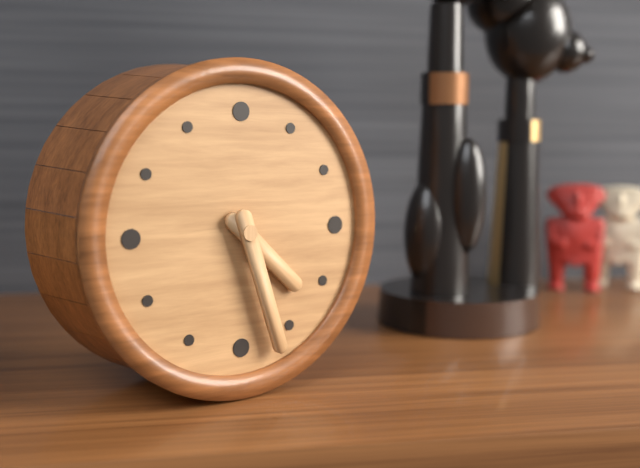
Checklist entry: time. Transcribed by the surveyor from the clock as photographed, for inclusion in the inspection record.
4:27
